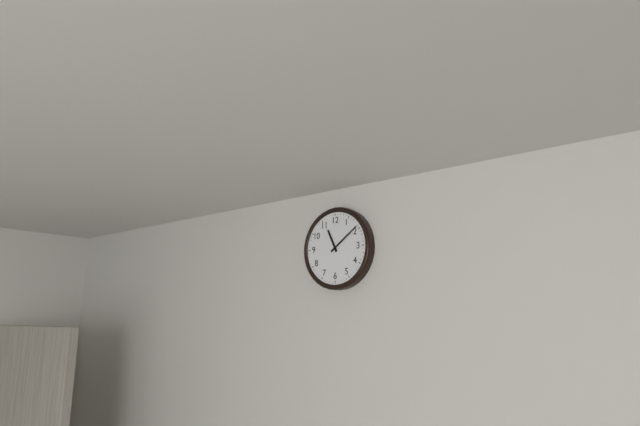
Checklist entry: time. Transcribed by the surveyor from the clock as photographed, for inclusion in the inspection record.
11:09
